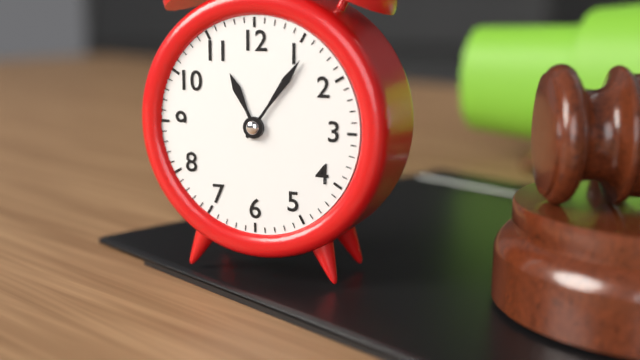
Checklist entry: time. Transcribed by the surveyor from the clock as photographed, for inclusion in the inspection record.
11:06
